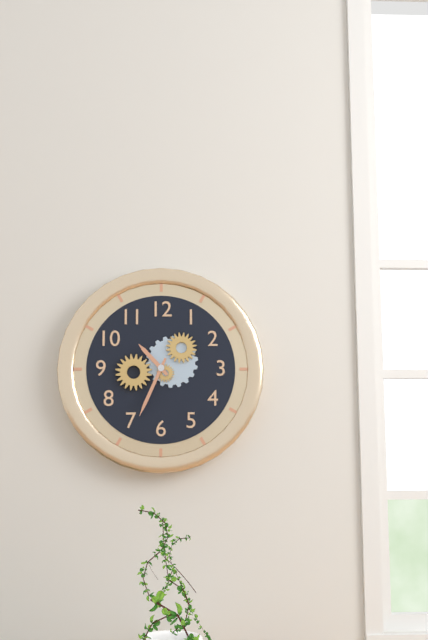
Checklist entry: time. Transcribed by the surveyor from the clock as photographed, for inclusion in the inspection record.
10:34
